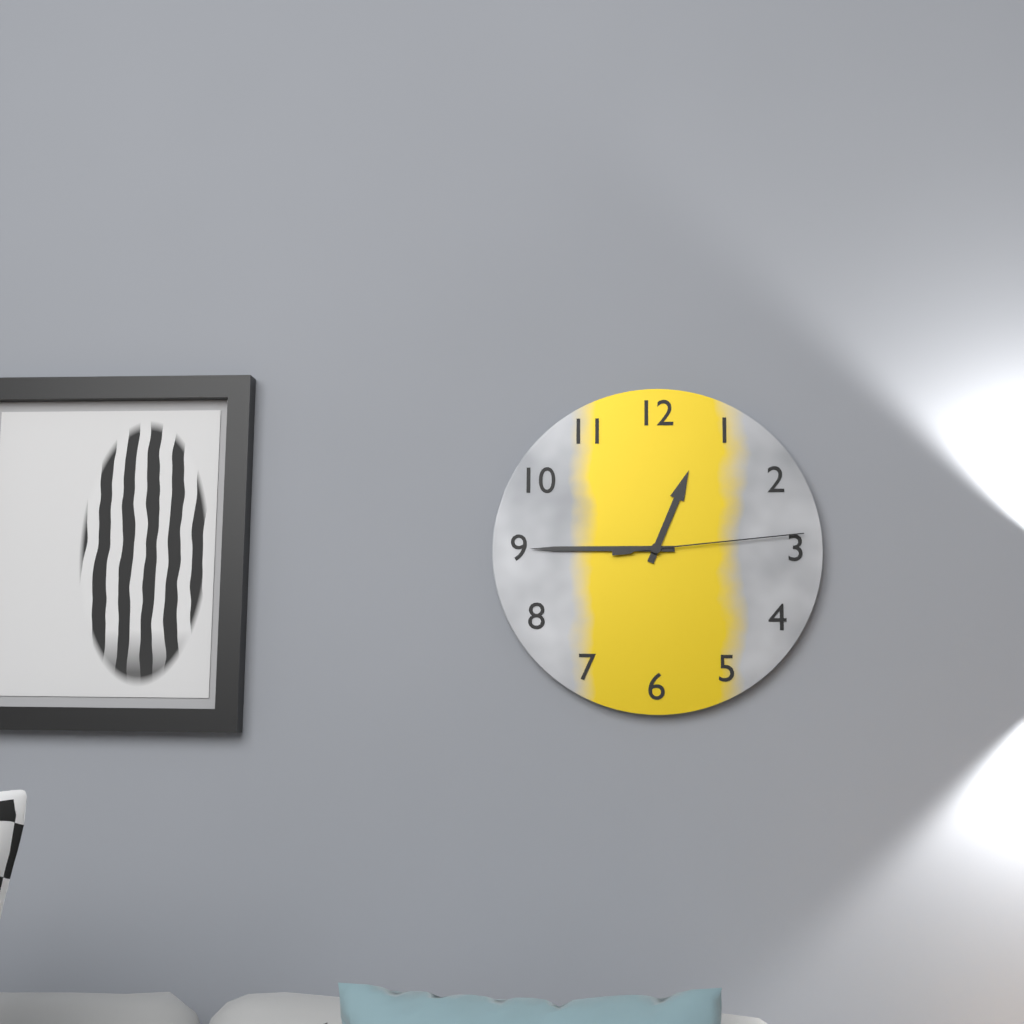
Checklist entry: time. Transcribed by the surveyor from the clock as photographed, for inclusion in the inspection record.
12:45:14
